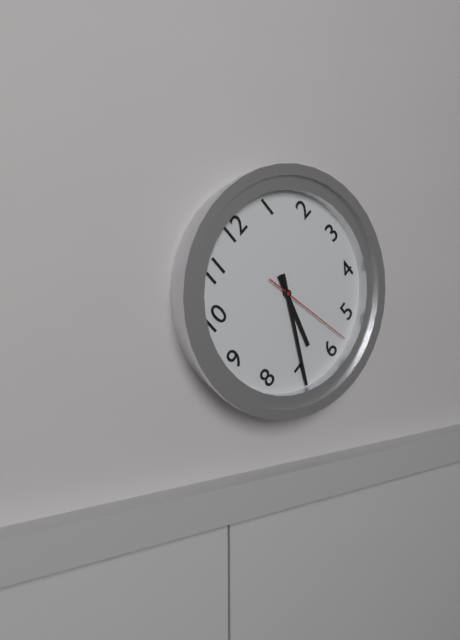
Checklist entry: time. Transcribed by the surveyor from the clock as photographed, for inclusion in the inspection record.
6:35:28
